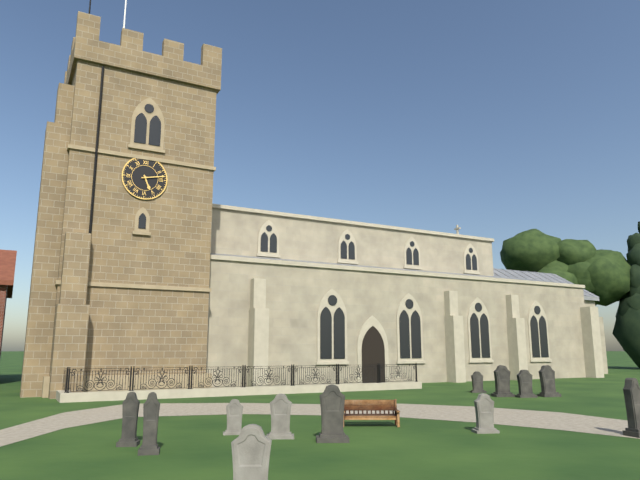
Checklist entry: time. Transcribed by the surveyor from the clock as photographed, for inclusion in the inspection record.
5:13
